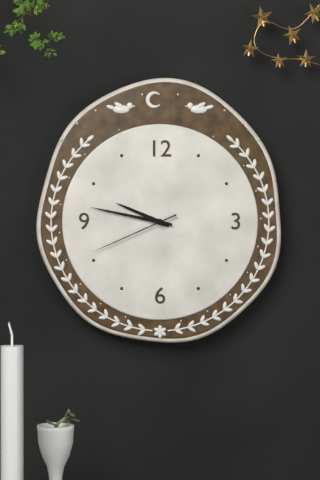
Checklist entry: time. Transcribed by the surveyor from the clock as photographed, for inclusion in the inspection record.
9:47:41
